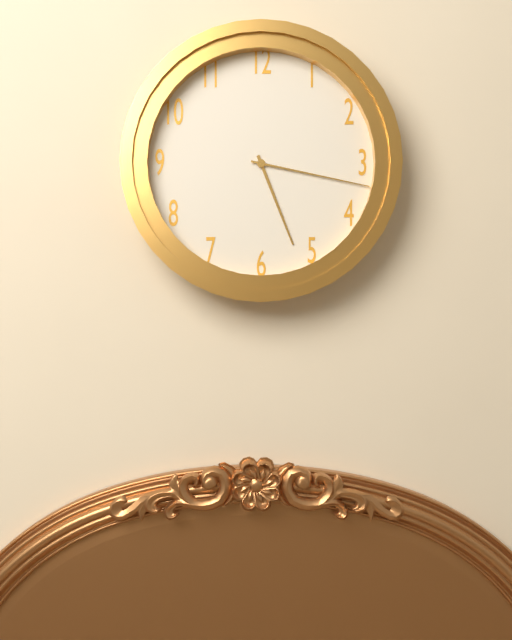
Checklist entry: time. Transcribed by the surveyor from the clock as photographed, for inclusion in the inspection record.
5:17
